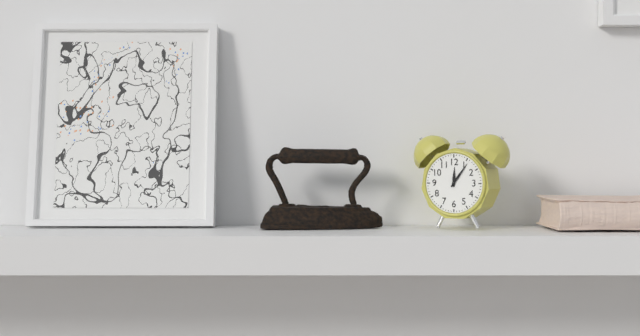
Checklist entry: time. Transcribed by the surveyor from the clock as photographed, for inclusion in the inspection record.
12:06
